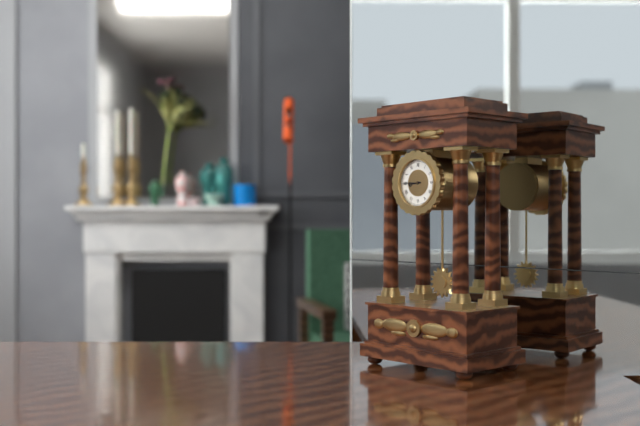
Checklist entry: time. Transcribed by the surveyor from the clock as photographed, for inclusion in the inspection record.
8:45
